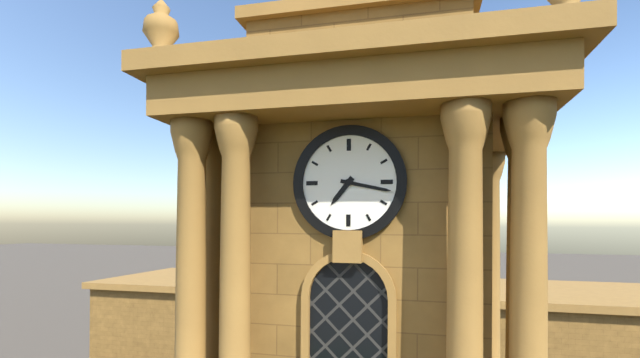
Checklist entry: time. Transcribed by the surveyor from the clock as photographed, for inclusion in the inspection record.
7:17
